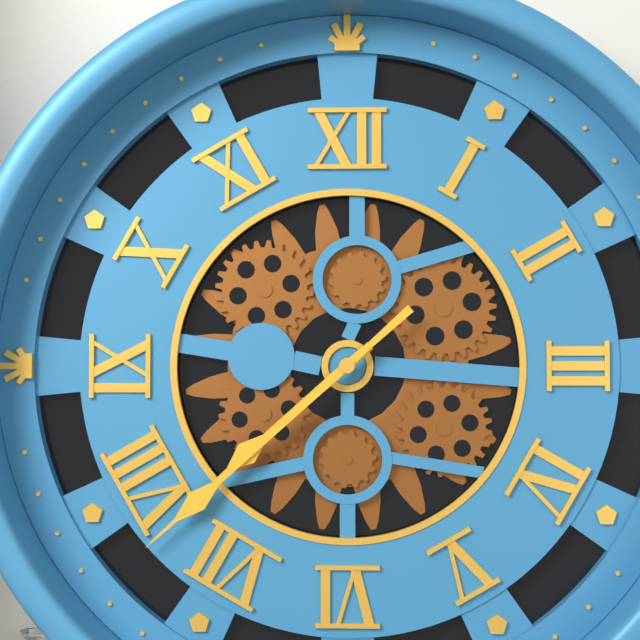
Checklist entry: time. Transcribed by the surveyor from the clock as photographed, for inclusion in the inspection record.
7:38
